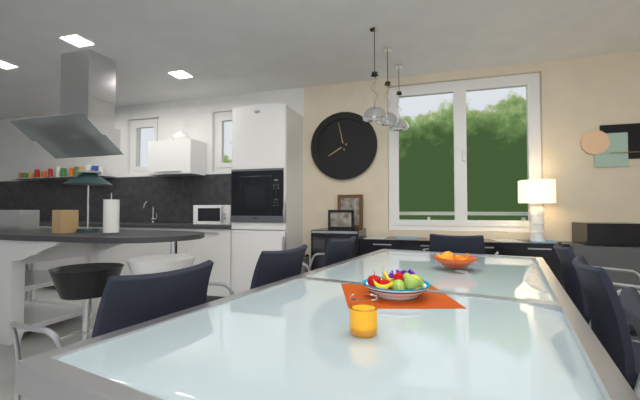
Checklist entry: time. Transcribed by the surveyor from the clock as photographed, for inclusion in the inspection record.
7:58
